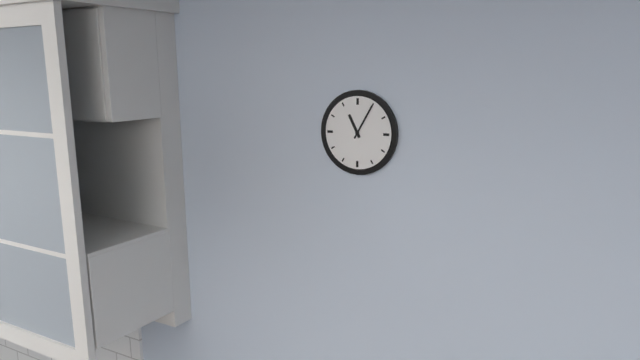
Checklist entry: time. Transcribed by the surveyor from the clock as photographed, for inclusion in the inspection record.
11:05
